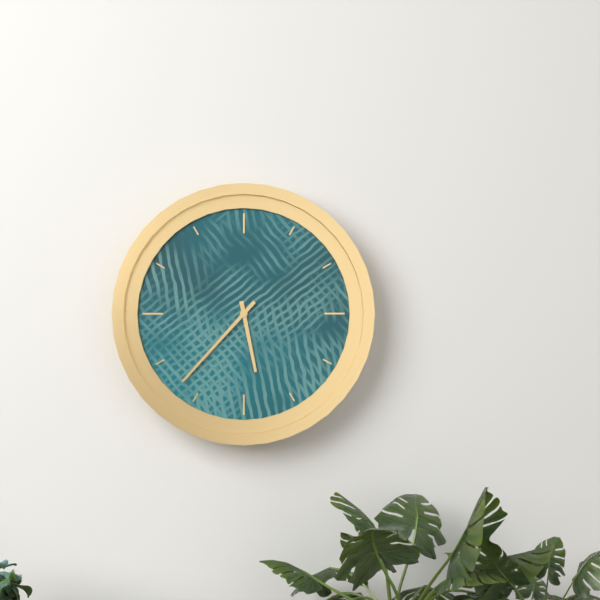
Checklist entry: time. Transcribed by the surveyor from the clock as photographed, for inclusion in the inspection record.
5:37
